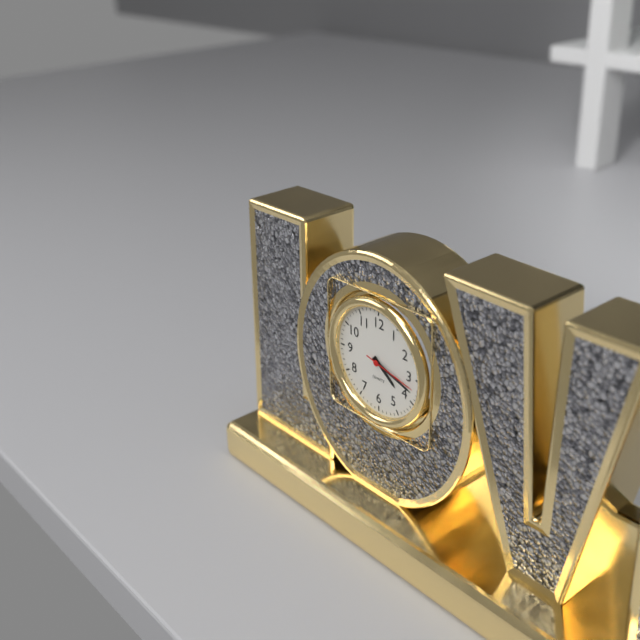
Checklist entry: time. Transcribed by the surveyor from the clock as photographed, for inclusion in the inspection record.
4:18:17
